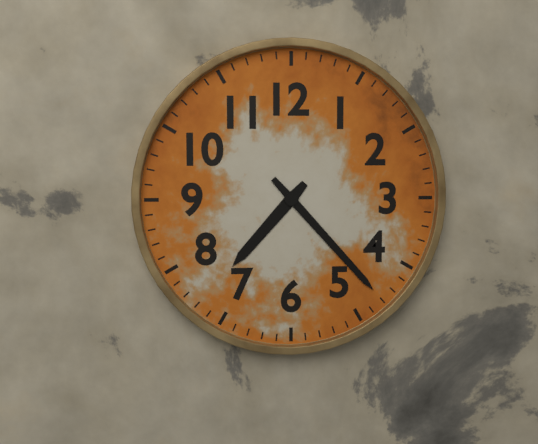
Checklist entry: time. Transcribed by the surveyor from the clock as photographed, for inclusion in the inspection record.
7:23
